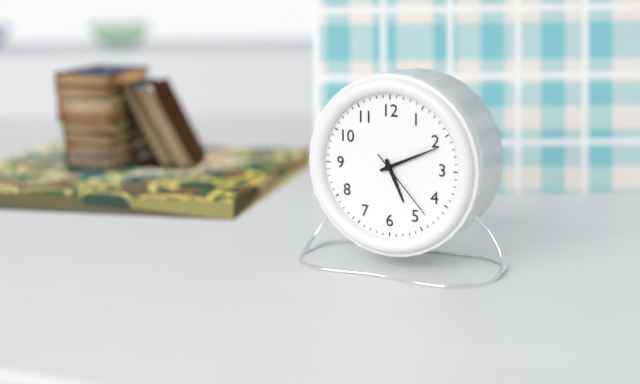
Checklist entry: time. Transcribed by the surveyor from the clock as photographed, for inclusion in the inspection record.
5:11:23
